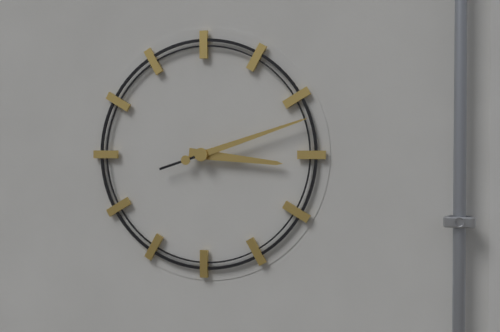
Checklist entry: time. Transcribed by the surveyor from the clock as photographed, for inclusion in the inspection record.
3:12
